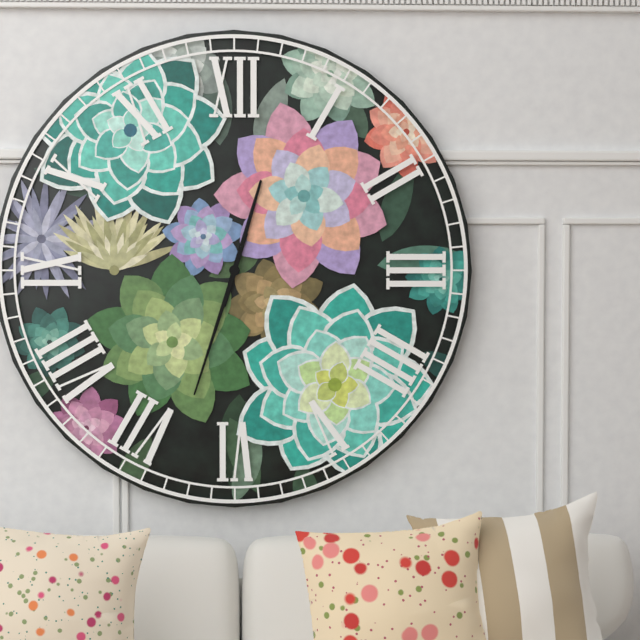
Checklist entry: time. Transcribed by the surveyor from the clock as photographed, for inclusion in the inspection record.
12:33
